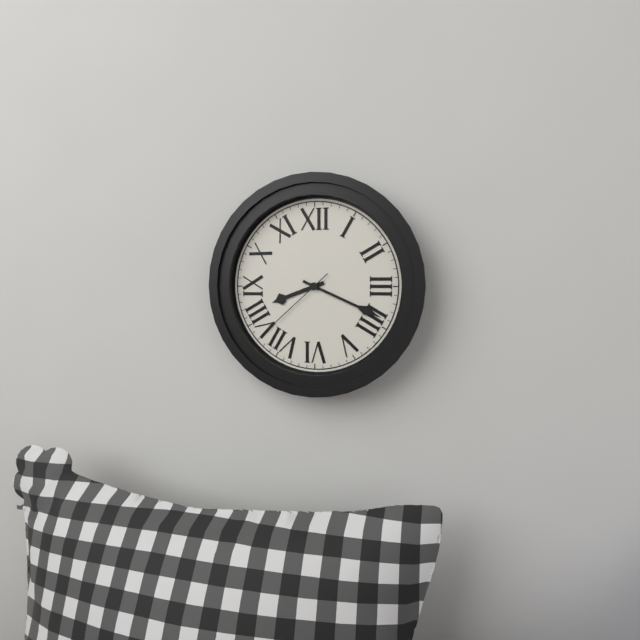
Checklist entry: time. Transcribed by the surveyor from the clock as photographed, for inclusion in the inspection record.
8:19:38
